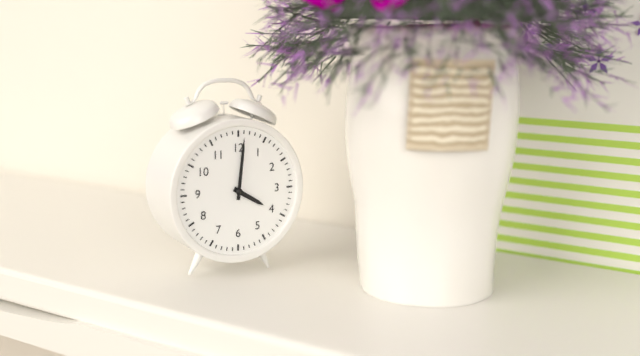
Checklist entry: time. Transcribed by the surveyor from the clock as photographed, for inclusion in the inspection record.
4:01
